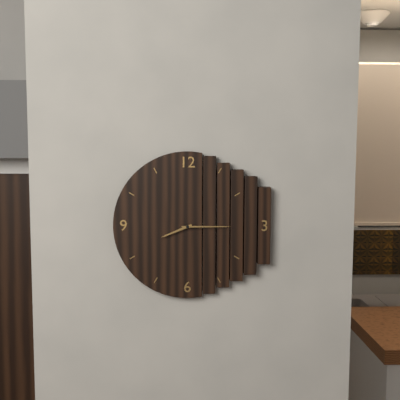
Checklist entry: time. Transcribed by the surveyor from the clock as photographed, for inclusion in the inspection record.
8:15
